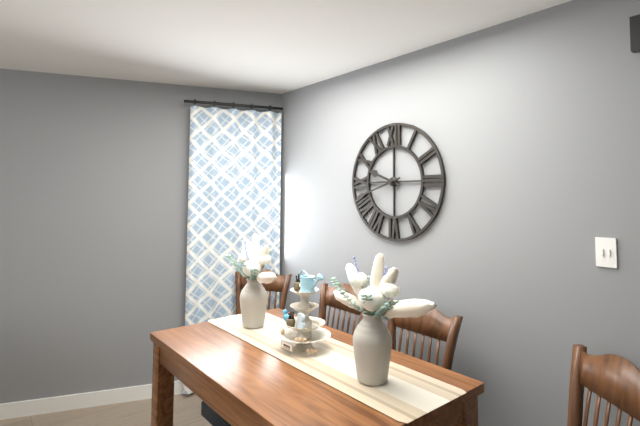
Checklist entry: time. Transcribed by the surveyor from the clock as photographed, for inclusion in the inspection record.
9:42
